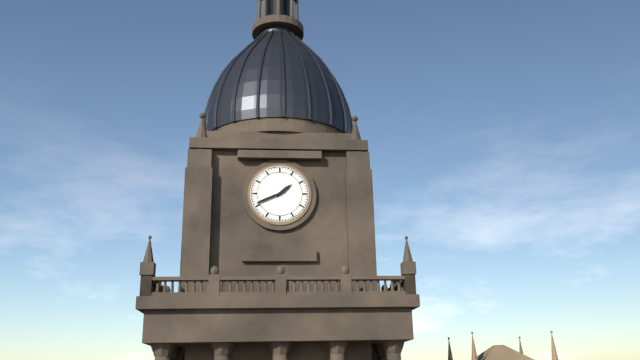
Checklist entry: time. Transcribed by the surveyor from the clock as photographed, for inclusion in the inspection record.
1:41
